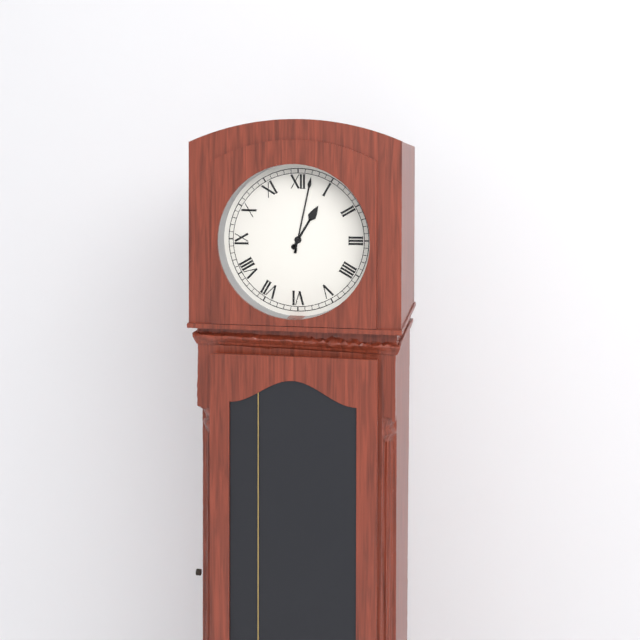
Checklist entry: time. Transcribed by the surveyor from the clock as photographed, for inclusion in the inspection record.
1:02
